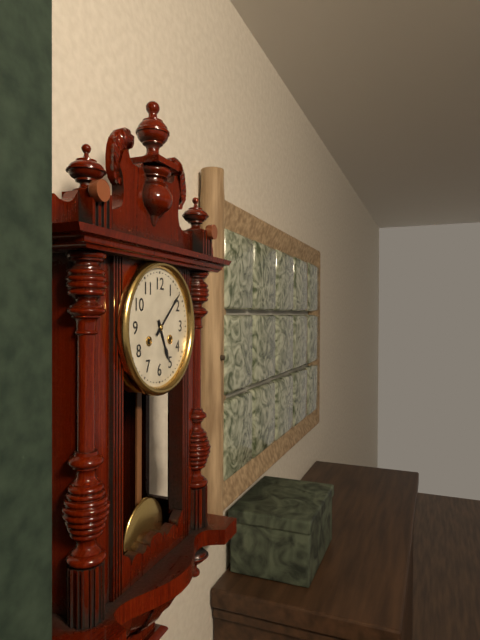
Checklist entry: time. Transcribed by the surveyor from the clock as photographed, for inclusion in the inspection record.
5:08
